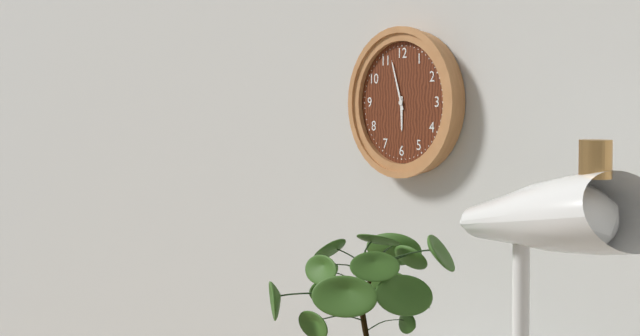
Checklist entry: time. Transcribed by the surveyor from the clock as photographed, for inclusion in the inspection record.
5:57
